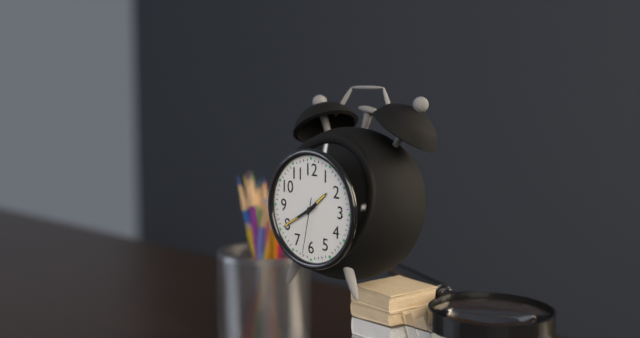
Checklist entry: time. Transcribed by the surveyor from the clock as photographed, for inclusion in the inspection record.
1:40:32
